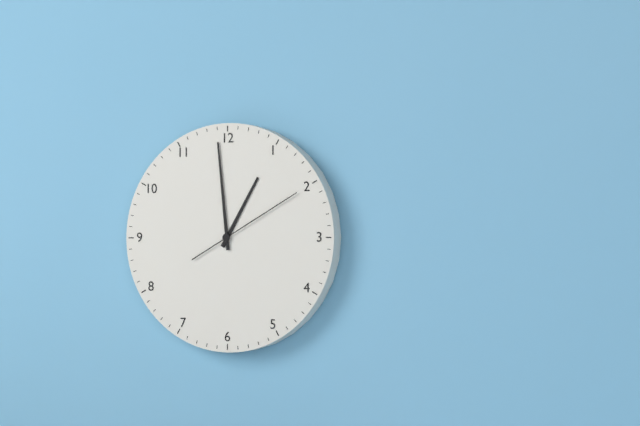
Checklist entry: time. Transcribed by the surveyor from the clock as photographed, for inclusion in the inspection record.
12:59:10
